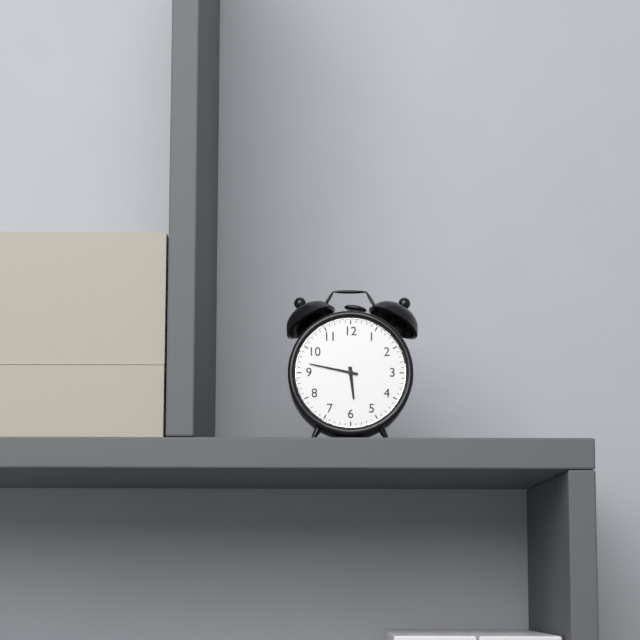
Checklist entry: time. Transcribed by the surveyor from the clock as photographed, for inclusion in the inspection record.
5:47
